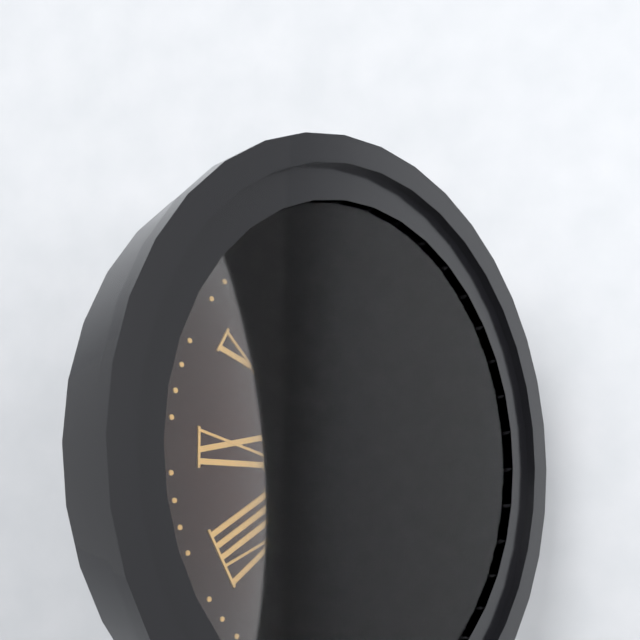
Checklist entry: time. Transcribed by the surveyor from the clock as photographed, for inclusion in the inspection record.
6:32:08
